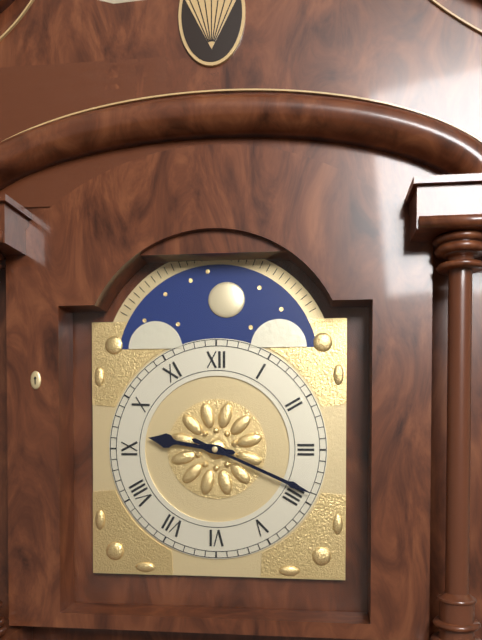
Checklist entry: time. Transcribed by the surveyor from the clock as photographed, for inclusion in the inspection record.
9:19
